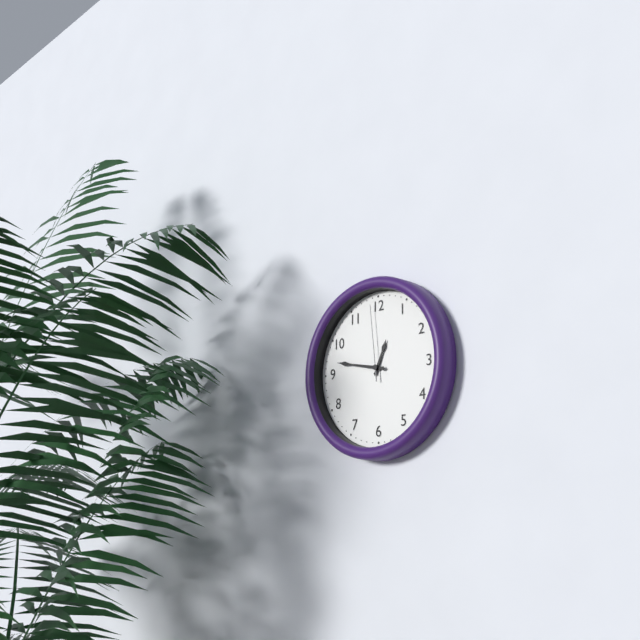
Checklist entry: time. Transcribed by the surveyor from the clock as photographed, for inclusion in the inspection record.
12:47:59
